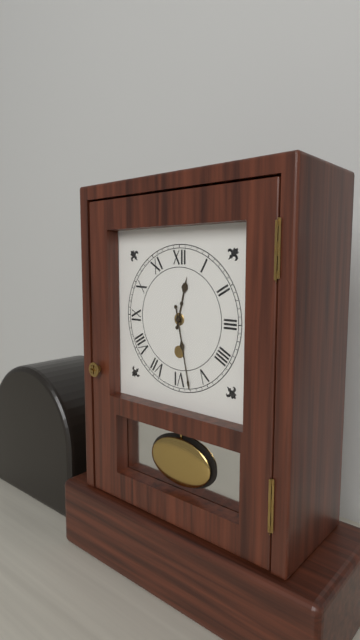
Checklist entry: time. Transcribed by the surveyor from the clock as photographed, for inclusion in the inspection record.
12:28
